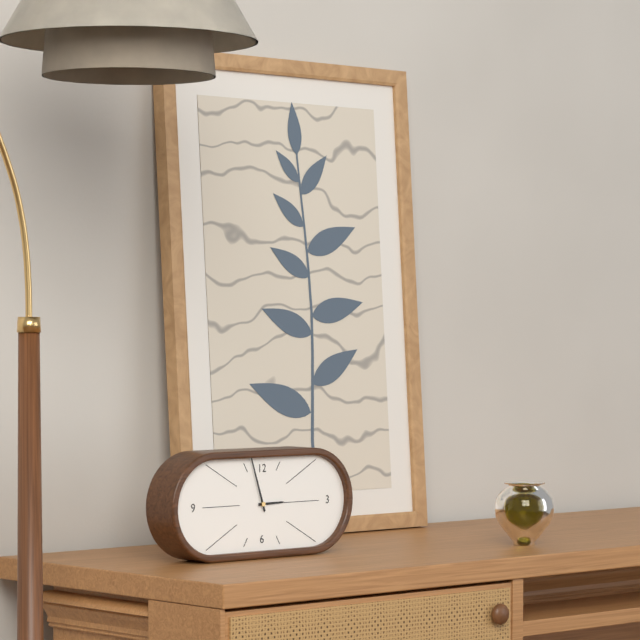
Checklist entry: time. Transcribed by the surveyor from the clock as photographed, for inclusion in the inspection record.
2:57
